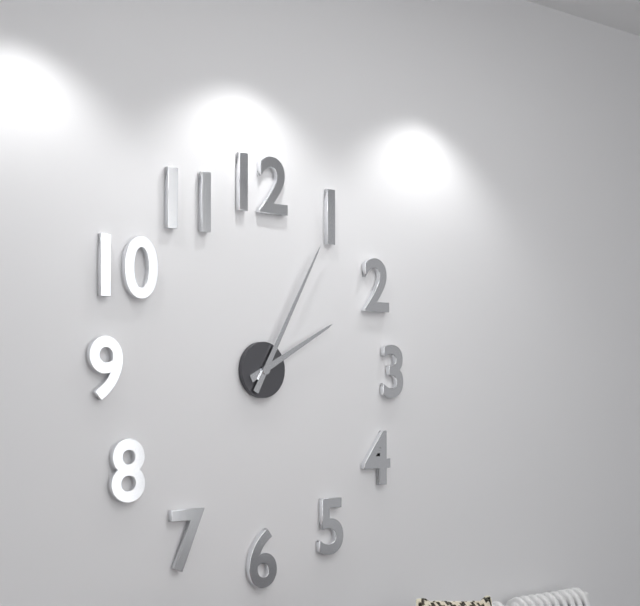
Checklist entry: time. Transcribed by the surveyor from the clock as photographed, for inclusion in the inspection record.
2:05
